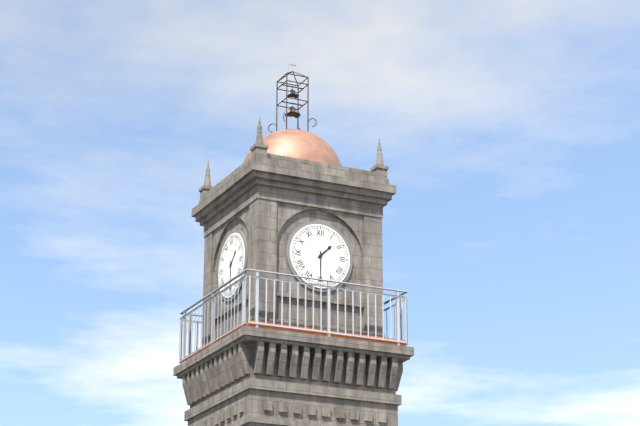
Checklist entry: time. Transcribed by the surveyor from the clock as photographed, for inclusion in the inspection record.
1:30
